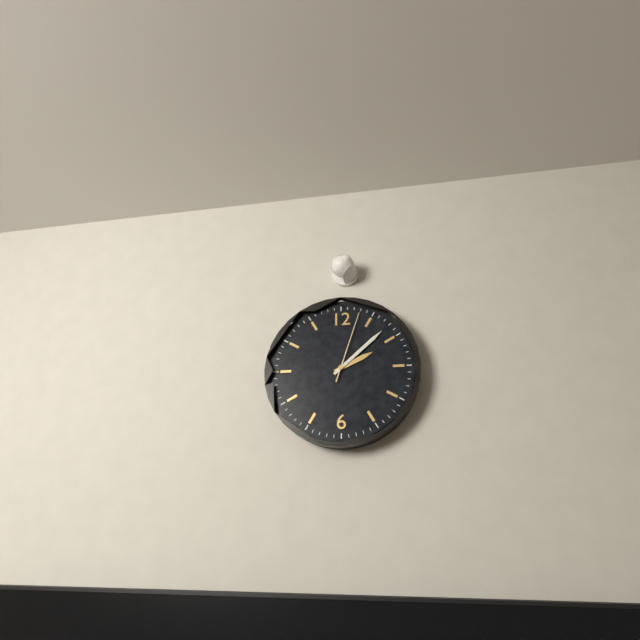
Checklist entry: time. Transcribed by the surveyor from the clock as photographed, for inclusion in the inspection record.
2:08:03
